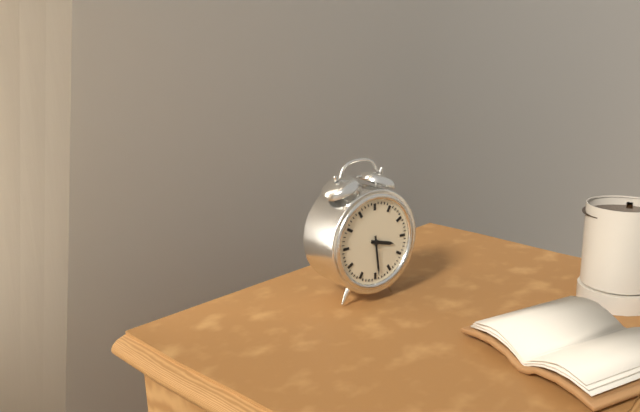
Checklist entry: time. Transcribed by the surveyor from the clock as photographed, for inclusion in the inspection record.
3:29
